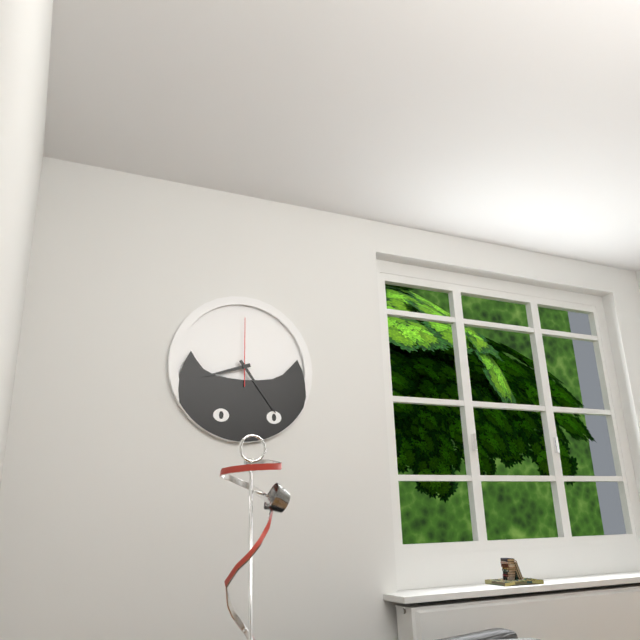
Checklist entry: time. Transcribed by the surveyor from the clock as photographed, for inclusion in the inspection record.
8:24:00
